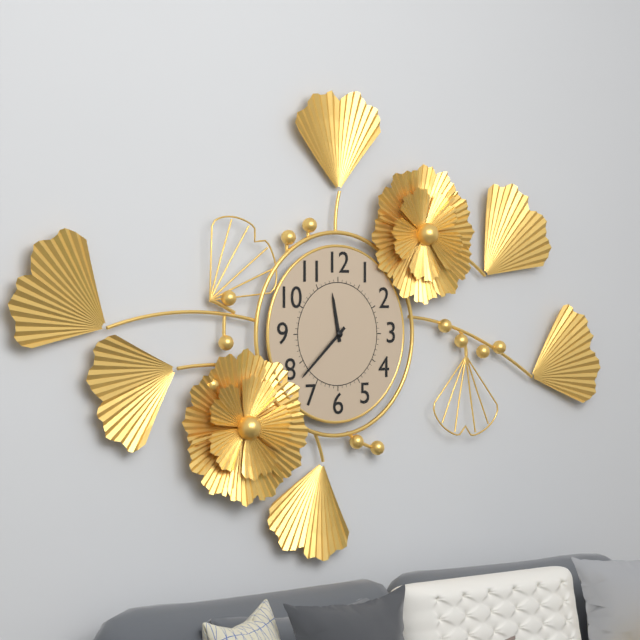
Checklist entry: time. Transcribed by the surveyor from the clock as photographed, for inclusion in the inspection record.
11:38
